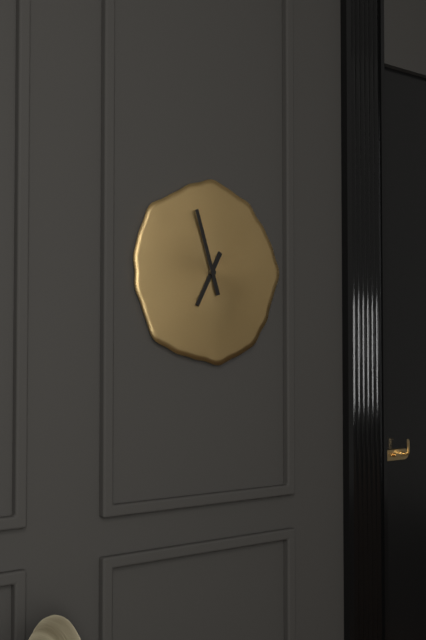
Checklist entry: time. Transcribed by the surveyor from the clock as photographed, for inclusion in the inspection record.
6:57
